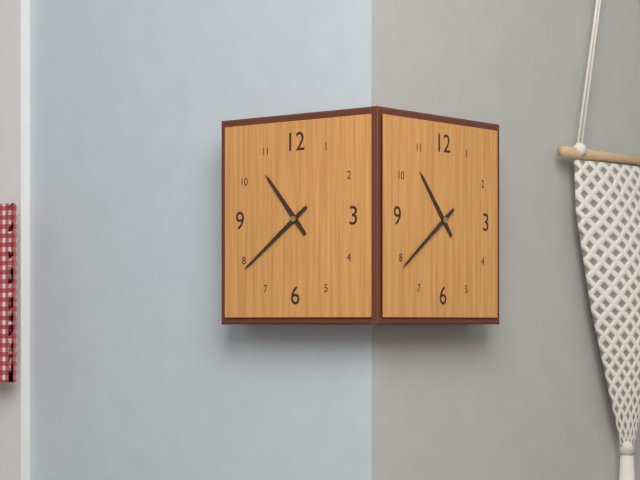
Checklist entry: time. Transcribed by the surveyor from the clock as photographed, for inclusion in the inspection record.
10:39
